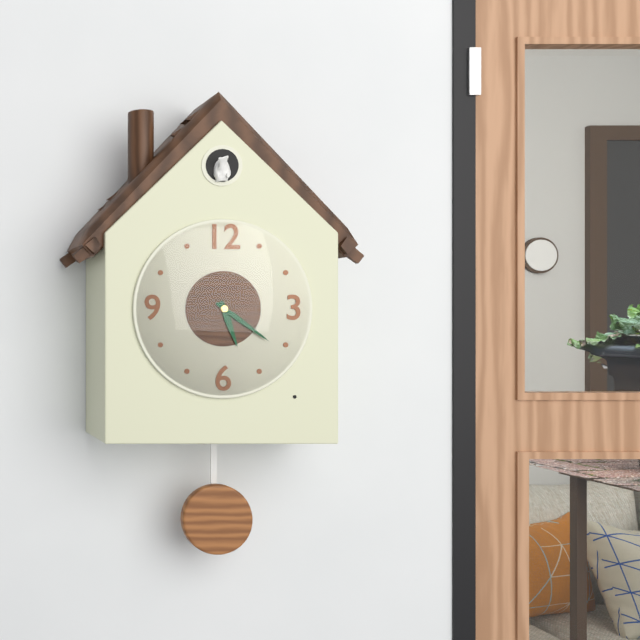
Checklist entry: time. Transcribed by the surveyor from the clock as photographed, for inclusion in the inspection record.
5:21
